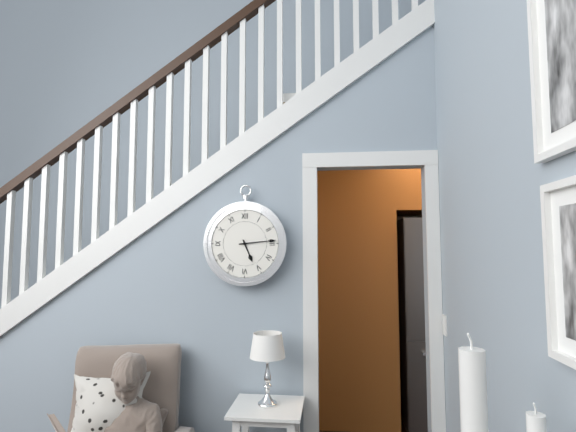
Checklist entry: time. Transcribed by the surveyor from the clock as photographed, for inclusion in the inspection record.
5:14
